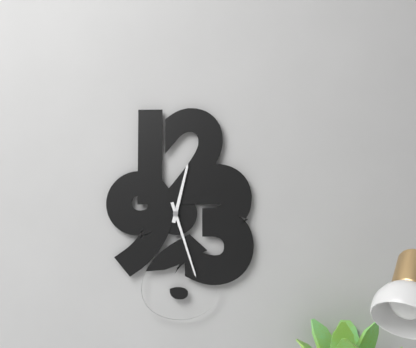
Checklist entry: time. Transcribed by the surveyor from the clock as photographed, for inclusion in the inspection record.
12:27
